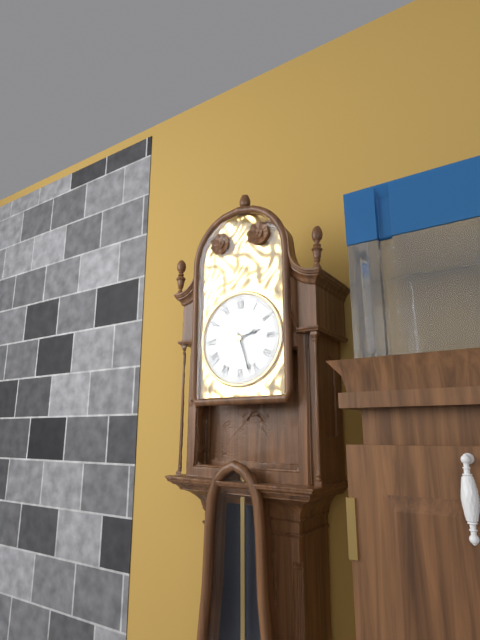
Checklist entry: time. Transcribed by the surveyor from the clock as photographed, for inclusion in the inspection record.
2:27
